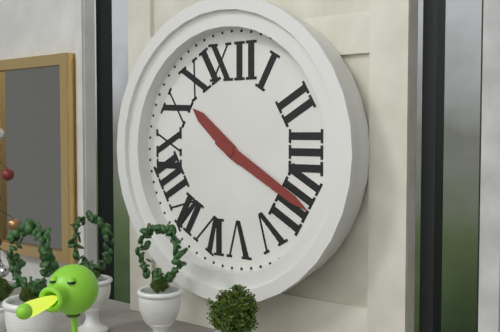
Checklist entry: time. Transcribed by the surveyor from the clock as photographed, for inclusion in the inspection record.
10:20
